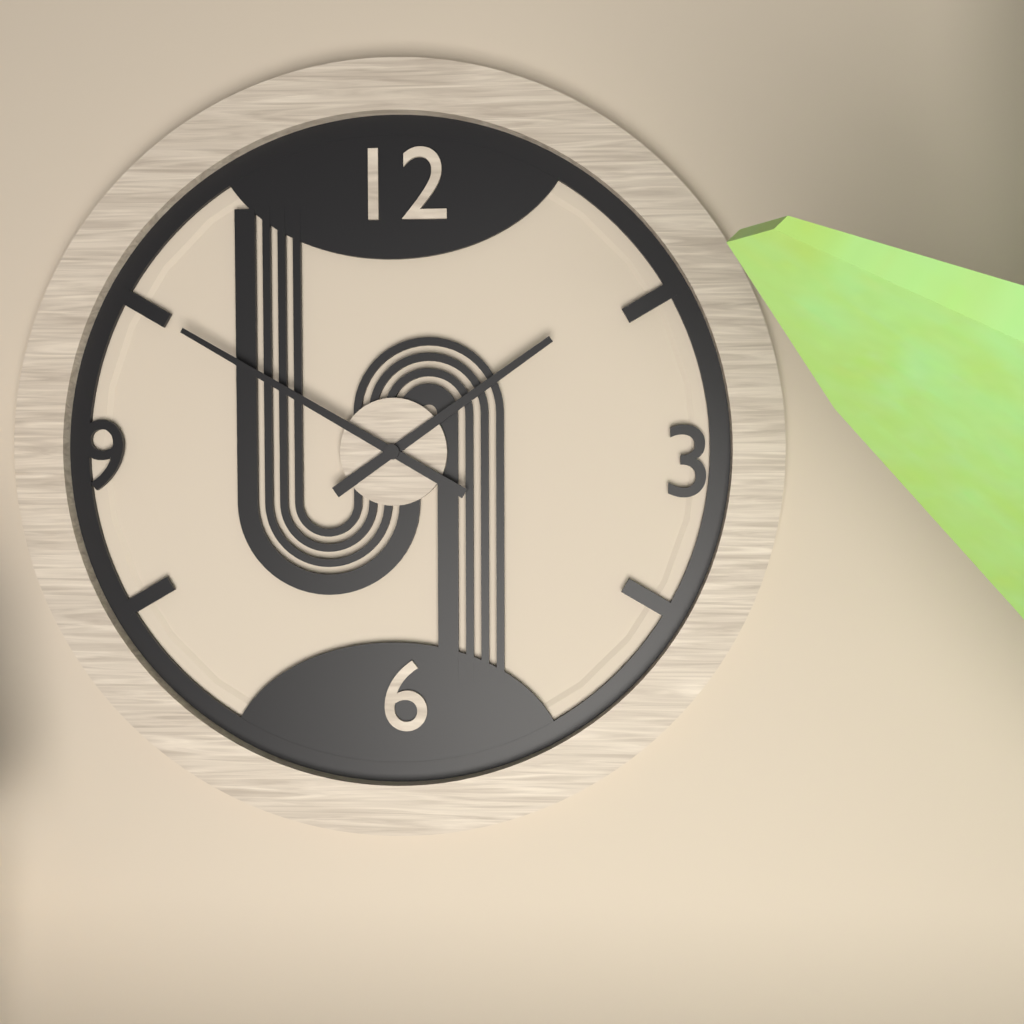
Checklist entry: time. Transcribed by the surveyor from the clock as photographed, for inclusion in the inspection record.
1:50
